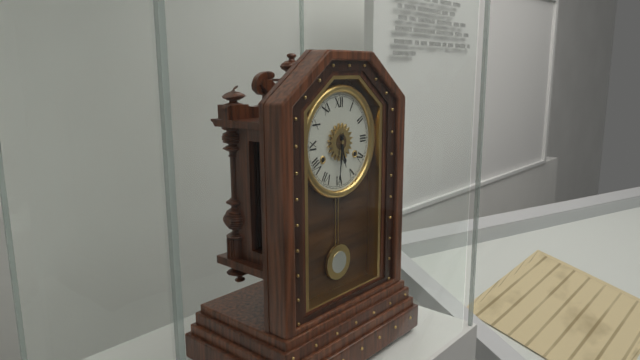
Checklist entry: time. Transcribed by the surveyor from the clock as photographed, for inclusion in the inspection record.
5:31
